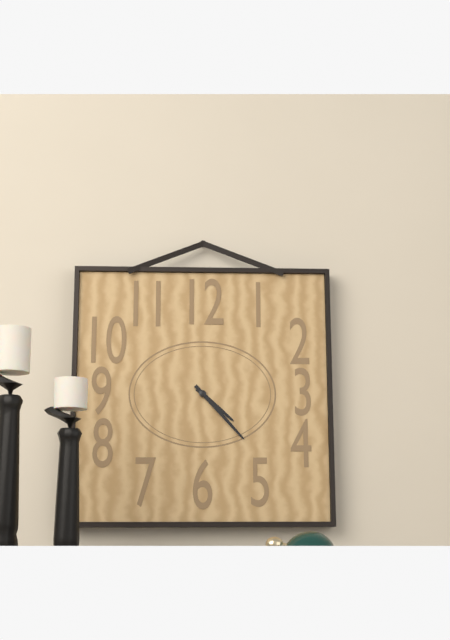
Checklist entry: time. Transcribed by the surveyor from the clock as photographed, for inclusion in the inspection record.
4:23
